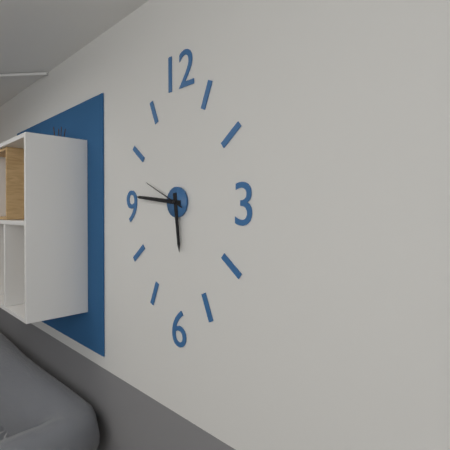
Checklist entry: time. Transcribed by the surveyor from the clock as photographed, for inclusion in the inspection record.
5:46
